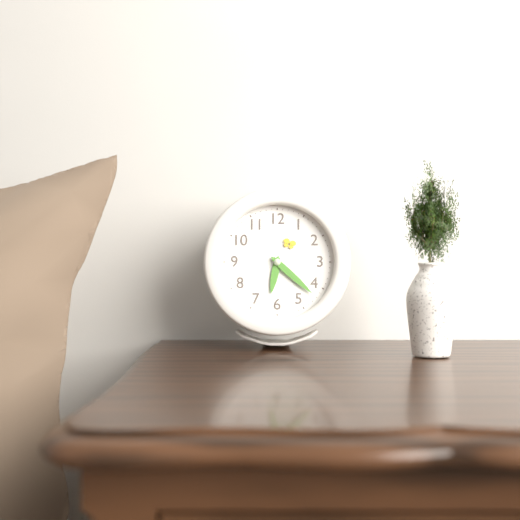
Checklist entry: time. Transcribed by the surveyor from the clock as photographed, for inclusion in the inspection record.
6:22
